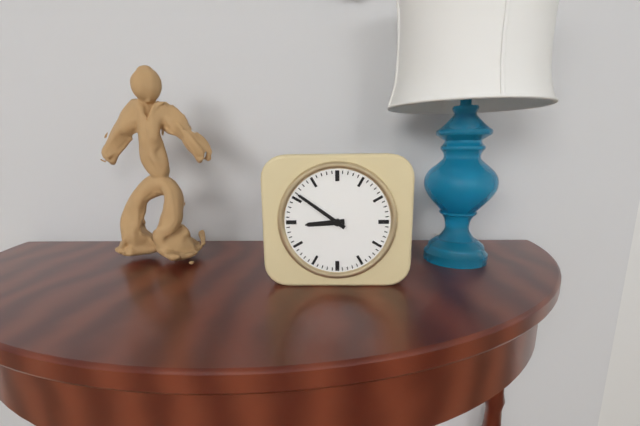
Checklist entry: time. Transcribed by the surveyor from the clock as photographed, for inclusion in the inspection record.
8:51
